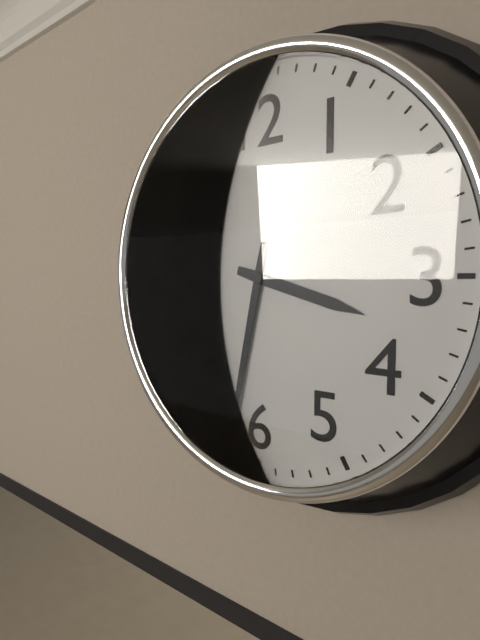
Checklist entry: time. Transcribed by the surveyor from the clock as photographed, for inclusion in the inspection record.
3:32
